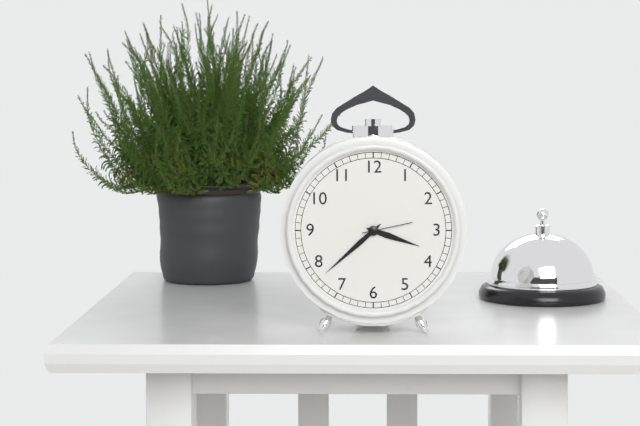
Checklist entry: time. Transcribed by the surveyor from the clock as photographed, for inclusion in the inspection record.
3:38:13
